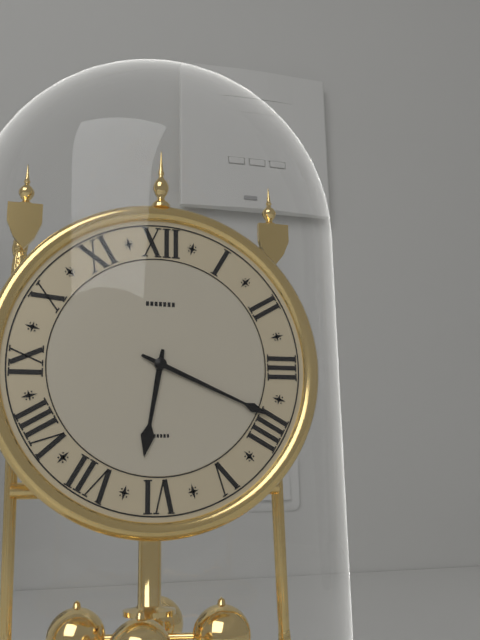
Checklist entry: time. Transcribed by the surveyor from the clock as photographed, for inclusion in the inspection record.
6:19
